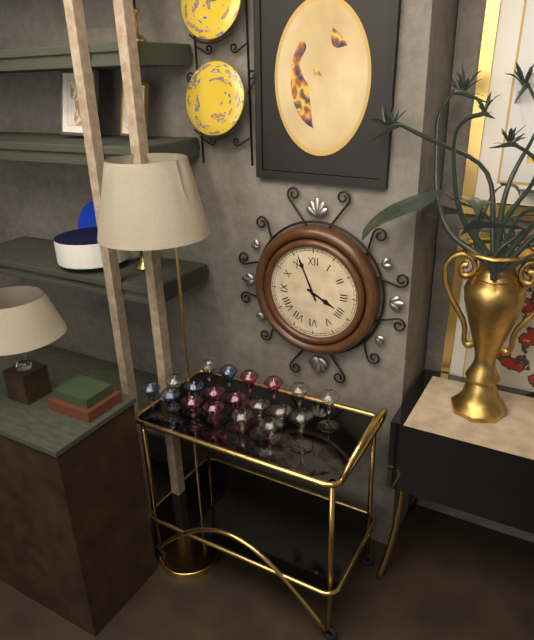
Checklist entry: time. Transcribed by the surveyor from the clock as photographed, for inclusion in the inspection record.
3:56
